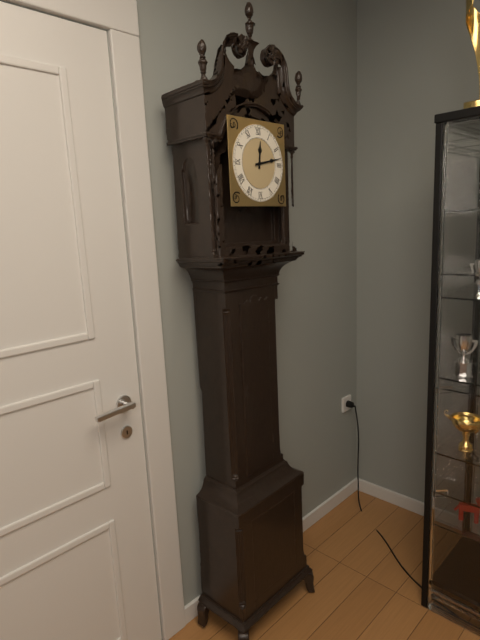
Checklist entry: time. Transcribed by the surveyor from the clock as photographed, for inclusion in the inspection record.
12:13
